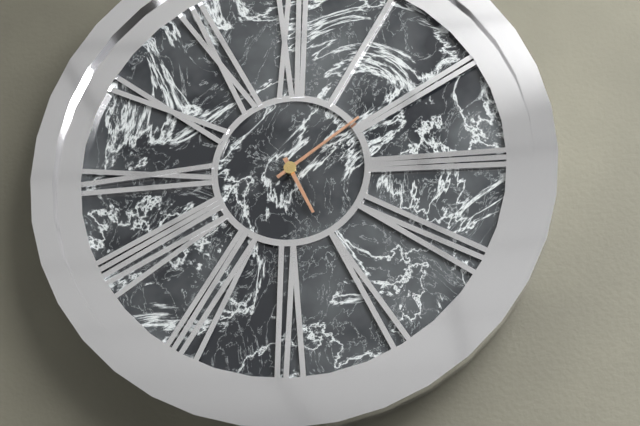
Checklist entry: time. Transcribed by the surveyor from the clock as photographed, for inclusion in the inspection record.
5:09
